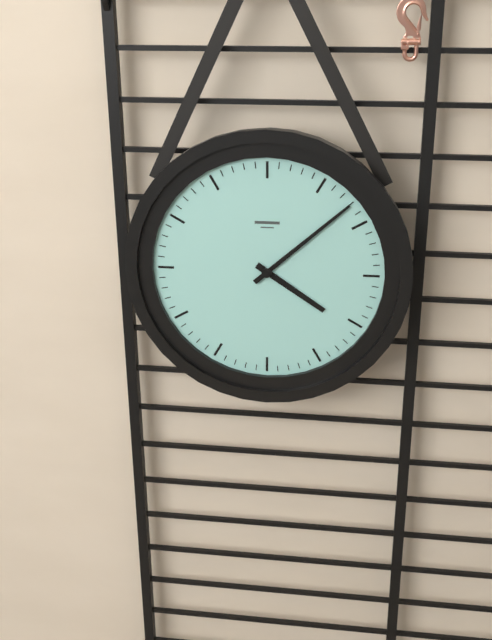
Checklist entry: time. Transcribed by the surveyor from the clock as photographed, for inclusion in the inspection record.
4:08
